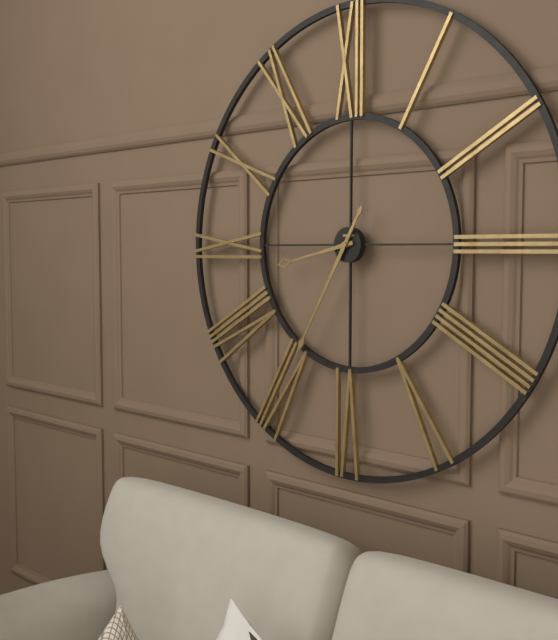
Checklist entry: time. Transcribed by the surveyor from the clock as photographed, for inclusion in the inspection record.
8:35
